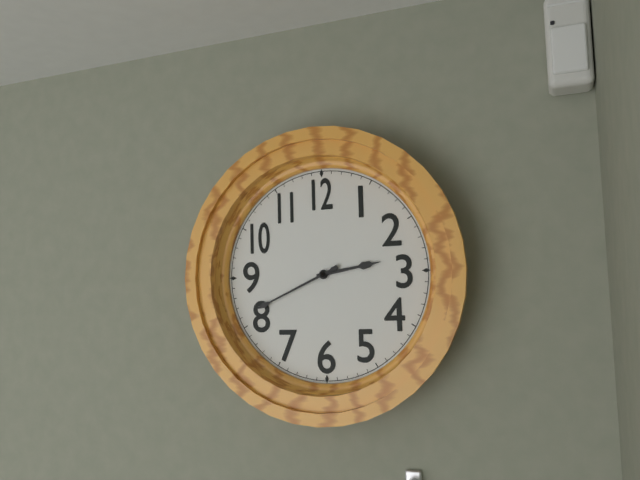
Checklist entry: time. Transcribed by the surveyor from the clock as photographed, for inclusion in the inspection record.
2:41
